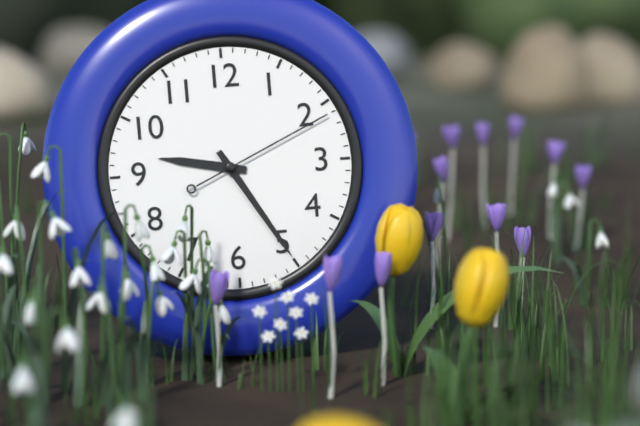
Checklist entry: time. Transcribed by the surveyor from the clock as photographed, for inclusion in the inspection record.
9:25:11
